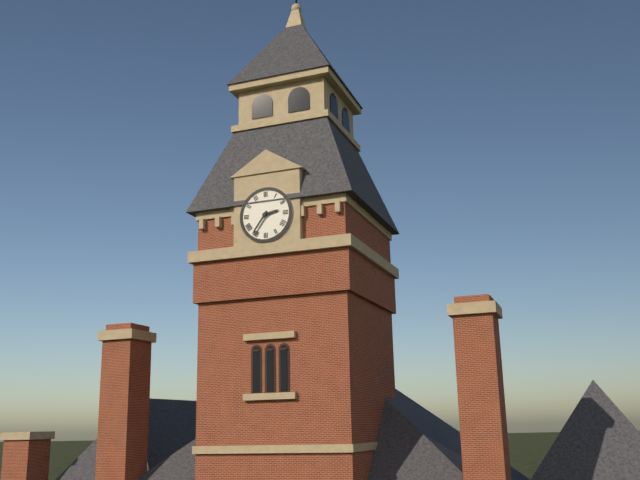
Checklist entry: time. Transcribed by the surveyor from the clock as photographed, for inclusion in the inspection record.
2:36
